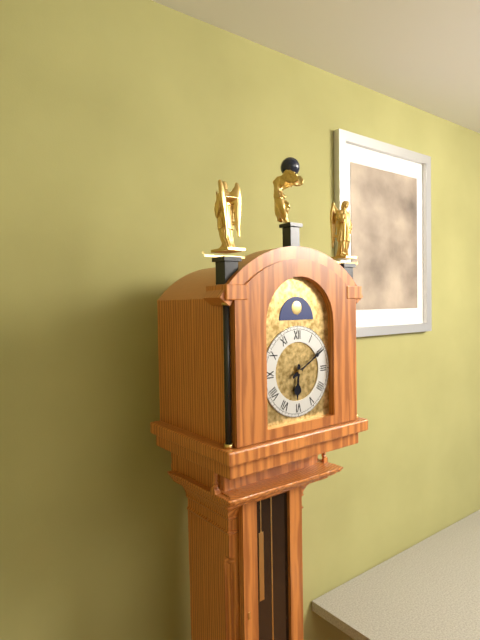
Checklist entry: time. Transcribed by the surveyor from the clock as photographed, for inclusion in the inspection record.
6:10
